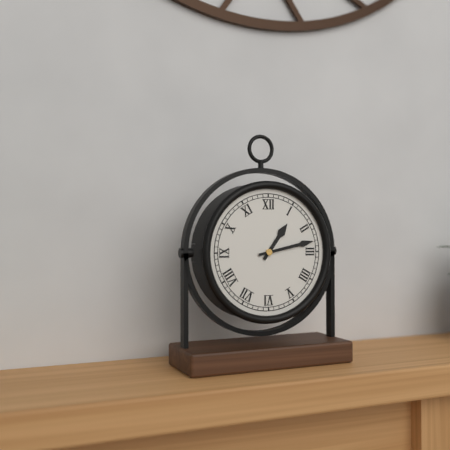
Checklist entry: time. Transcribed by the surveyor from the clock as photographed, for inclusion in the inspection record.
1:13
